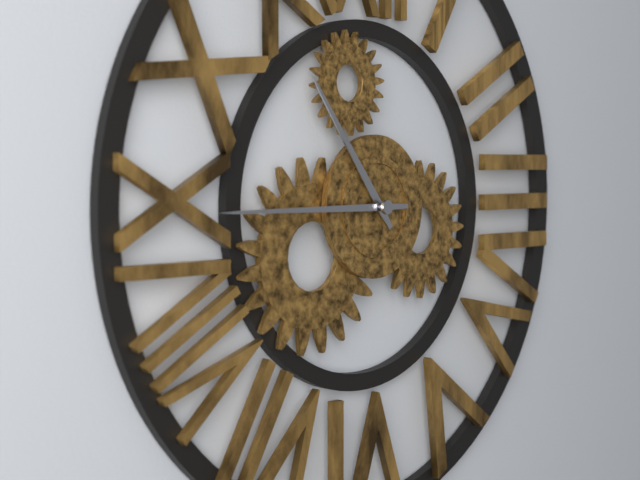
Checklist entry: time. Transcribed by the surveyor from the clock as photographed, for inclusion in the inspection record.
10:45
